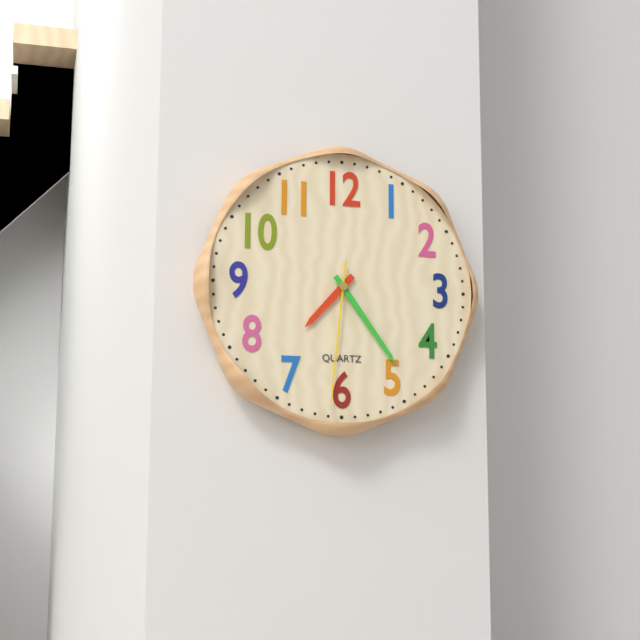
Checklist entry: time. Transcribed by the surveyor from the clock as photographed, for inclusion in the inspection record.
7:24:31
